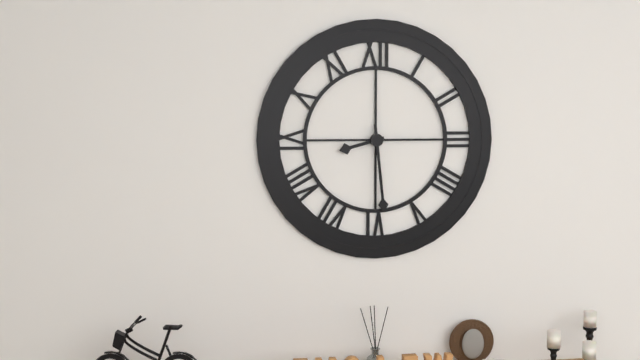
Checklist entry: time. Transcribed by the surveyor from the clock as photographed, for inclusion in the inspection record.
8:29
